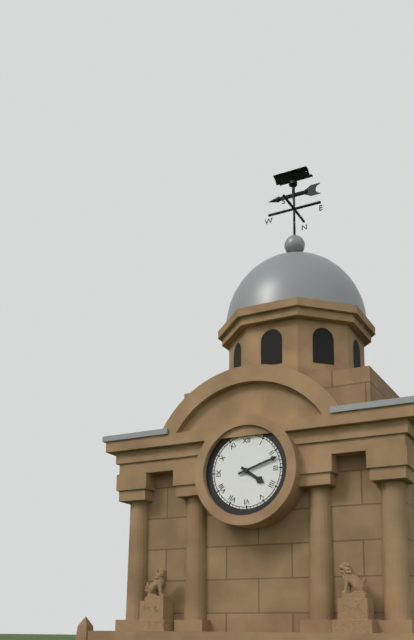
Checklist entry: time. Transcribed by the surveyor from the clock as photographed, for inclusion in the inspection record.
4:12
